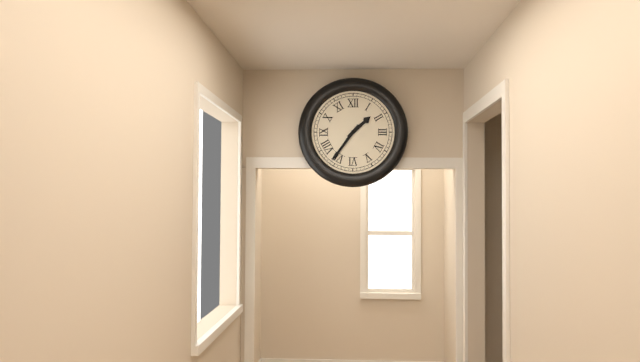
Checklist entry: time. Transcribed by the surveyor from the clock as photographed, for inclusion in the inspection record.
1:36
